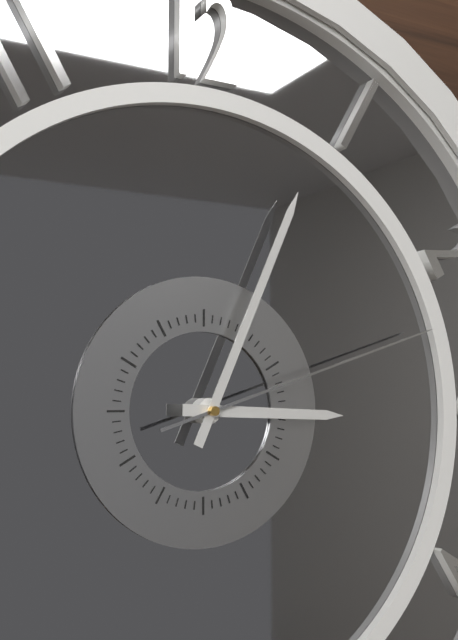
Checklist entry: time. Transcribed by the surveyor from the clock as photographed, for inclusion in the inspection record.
3:04:12
